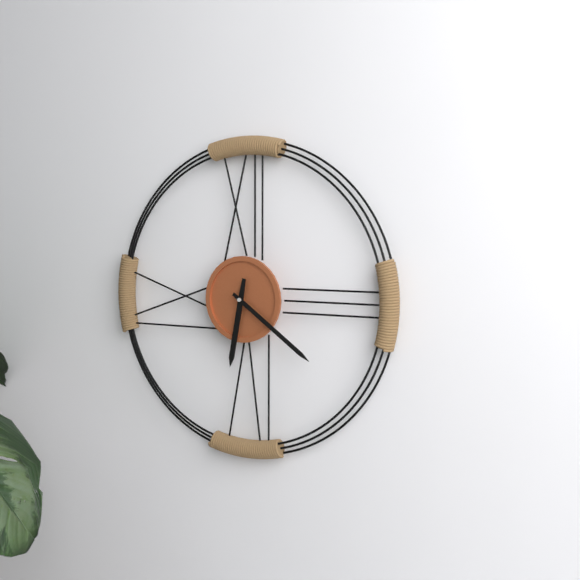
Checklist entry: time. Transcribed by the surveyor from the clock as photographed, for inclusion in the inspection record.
6:21
